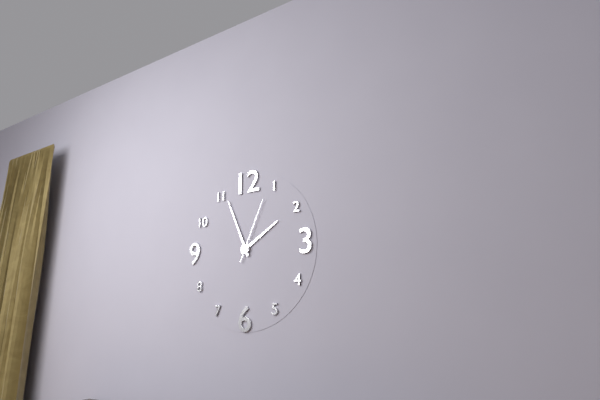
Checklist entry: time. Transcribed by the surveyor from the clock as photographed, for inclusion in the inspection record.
1:56:04
